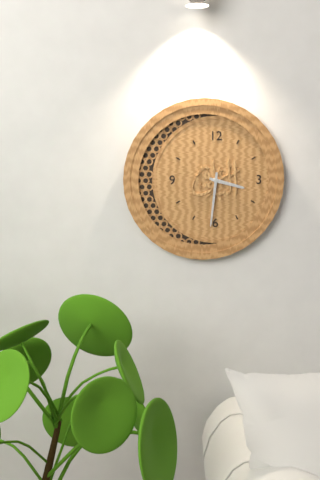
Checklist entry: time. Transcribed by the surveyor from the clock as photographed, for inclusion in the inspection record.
3:31
